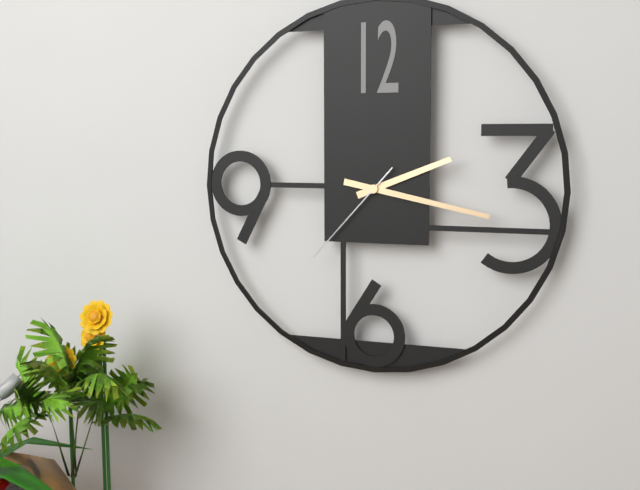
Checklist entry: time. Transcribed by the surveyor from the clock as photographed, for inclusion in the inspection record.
2:17:37
